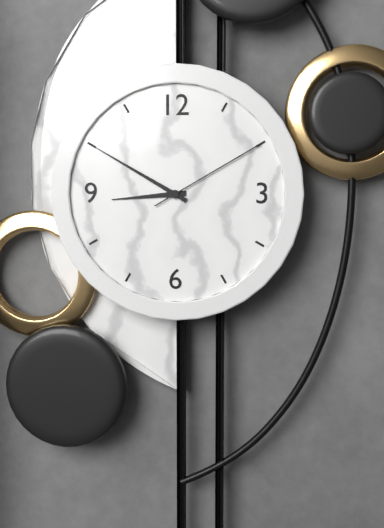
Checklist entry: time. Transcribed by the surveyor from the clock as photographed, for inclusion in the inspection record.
8:50:10
